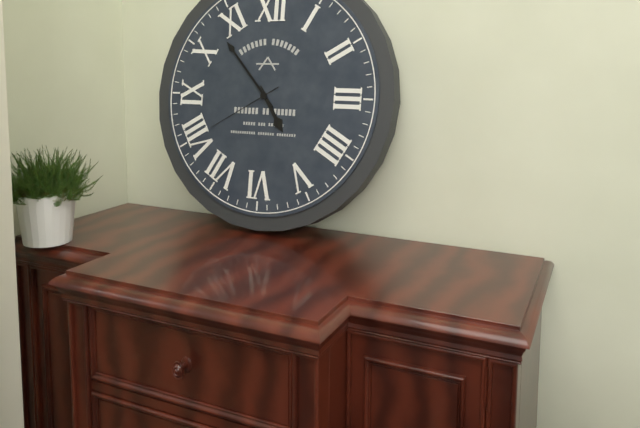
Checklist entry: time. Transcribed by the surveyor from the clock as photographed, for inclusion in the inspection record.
4:53:40
